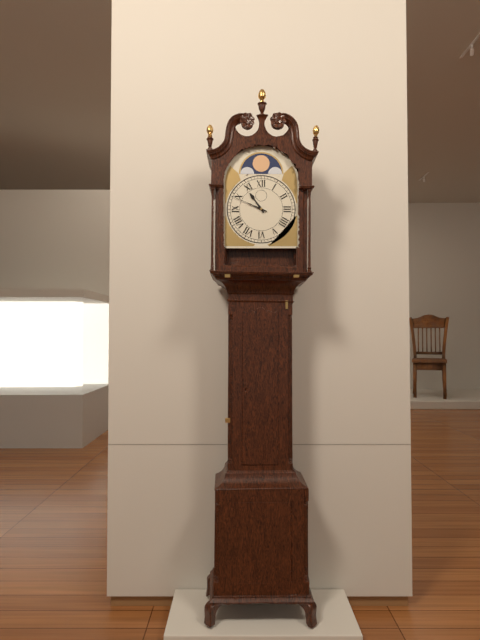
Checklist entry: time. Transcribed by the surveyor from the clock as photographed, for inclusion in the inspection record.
10:49
